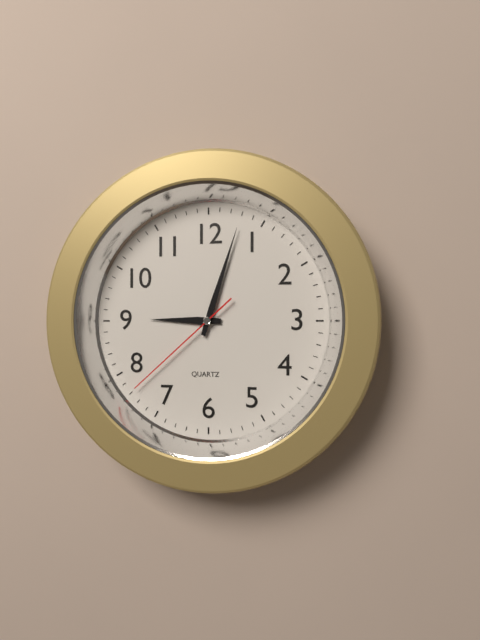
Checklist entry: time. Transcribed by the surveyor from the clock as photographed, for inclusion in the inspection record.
9:03:38
